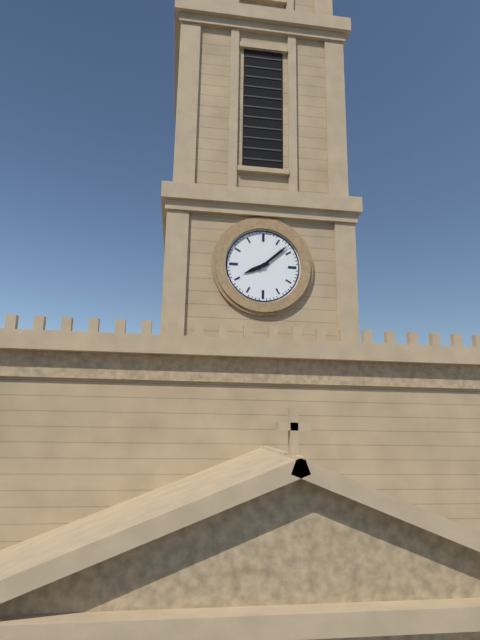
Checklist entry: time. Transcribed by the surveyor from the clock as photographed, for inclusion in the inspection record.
8:08
